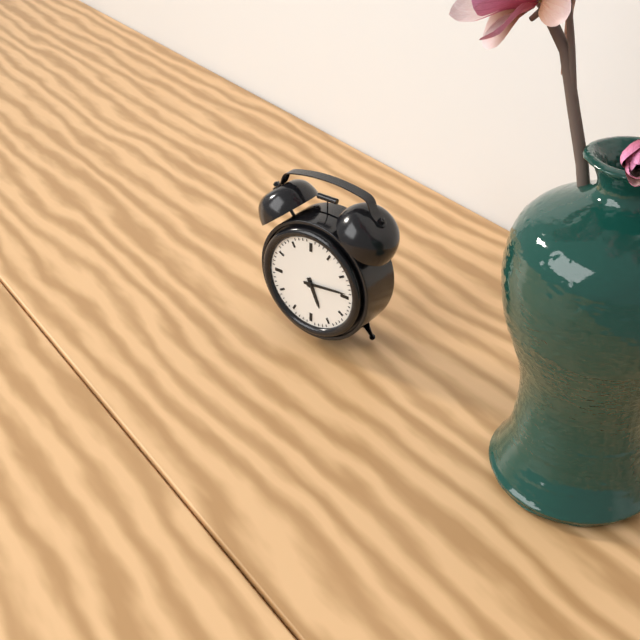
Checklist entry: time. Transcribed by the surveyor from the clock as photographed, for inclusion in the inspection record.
5:14
